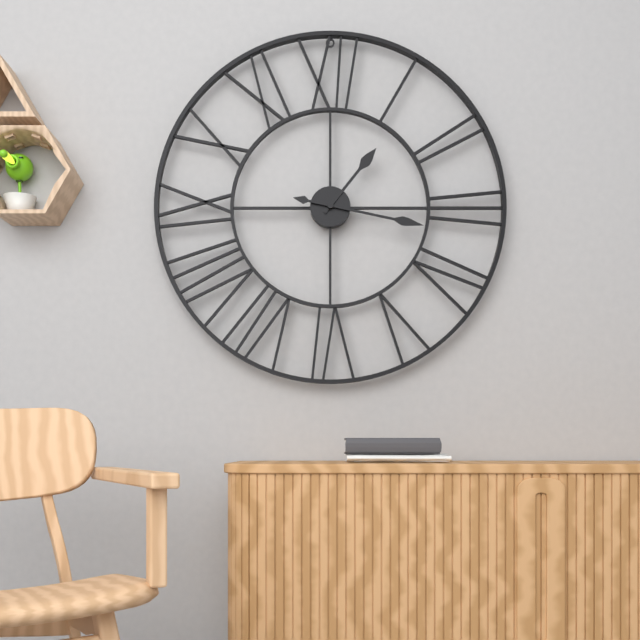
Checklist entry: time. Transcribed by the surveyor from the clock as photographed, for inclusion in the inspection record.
1:17
